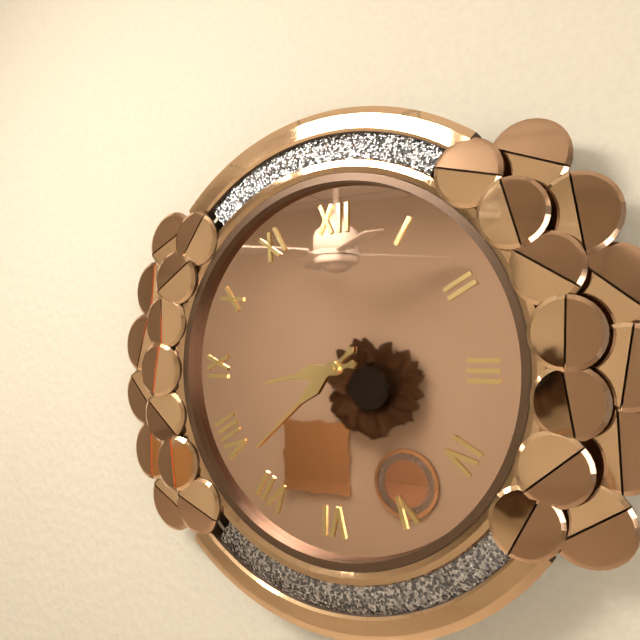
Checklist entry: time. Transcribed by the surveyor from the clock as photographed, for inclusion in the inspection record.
8:38
